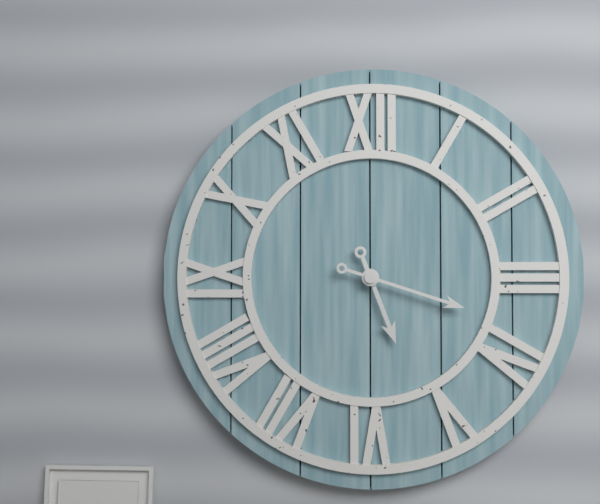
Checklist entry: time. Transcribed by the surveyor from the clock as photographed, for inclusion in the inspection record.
5:18
